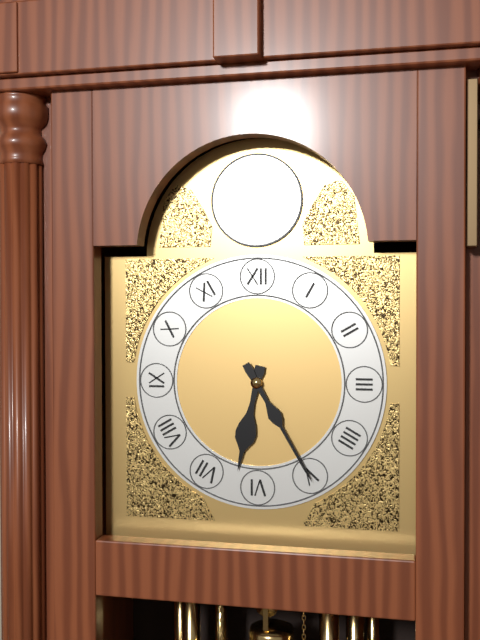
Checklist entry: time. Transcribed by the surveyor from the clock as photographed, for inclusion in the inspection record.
6:25
